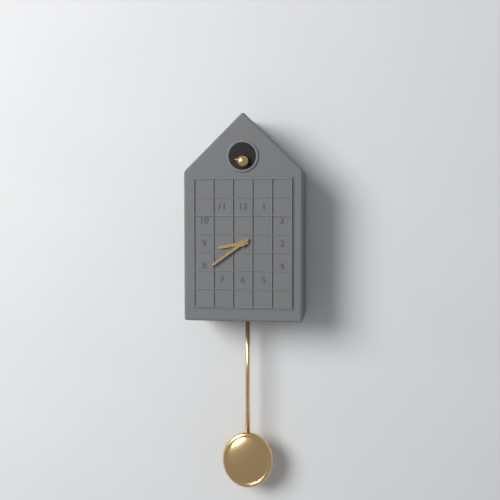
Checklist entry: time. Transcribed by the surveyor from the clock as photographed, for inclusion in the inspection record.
8:39
